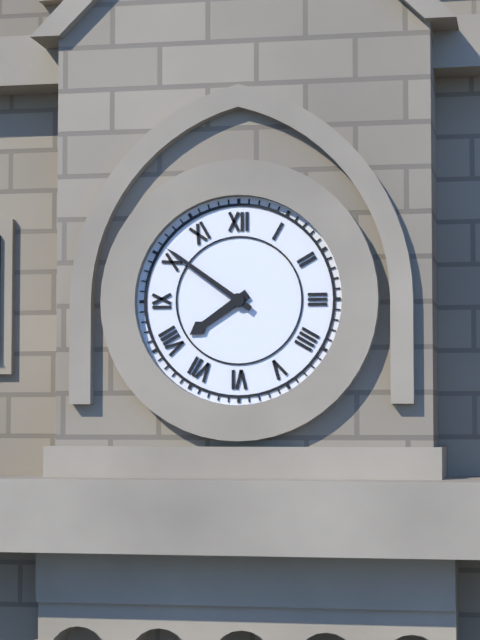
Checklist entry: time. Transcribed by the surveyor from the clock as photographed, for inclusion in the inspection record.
7:51
